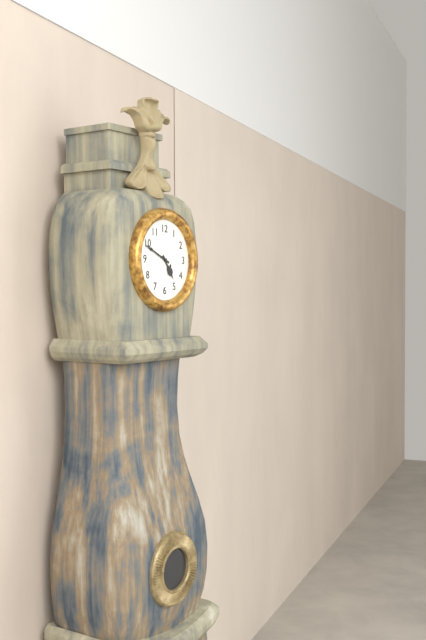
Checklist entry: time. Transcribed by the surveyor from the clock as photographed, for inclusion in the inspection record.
4:49
